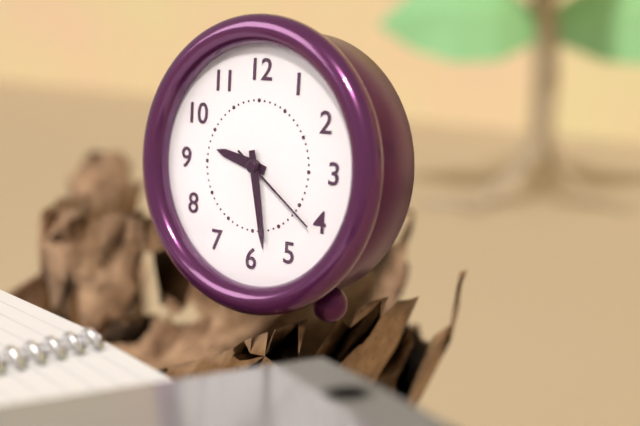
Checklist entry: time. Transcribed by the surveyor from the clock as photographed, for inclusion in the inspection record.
9:28:21
